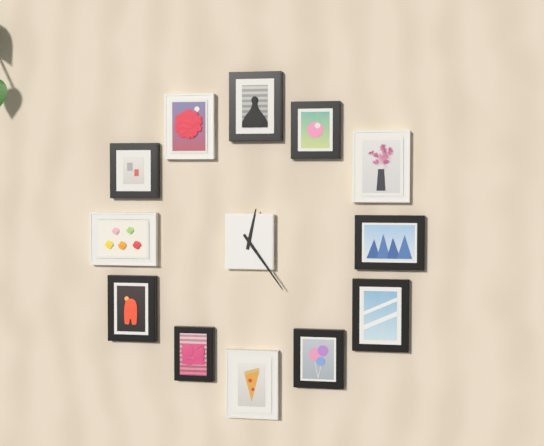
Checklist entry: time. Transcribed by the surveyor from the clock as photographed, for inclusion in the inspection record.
12:24
